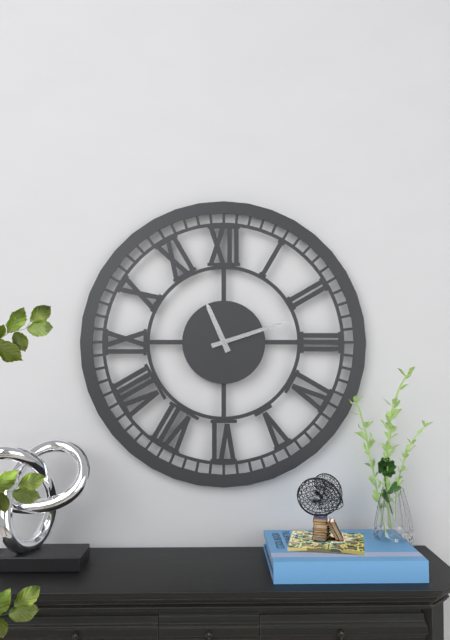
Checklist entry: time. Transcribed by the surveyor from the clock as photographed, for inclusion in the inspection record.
11:12
